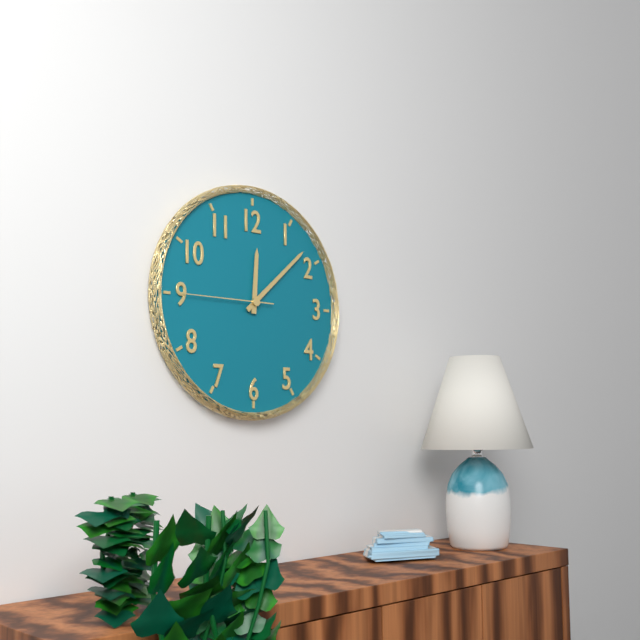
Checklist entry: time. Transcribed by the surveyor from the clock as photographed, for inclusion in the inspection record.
12:08:45
